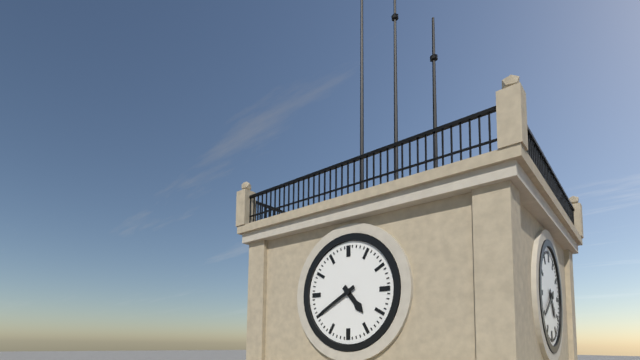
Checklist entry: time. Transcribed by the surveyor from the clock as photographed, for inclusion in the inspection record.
4:40
